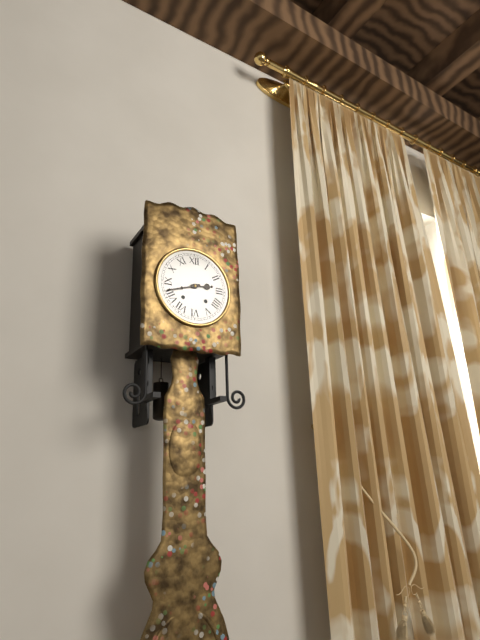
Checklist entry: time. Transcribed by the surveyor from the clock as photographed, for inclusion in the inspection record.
2:42
